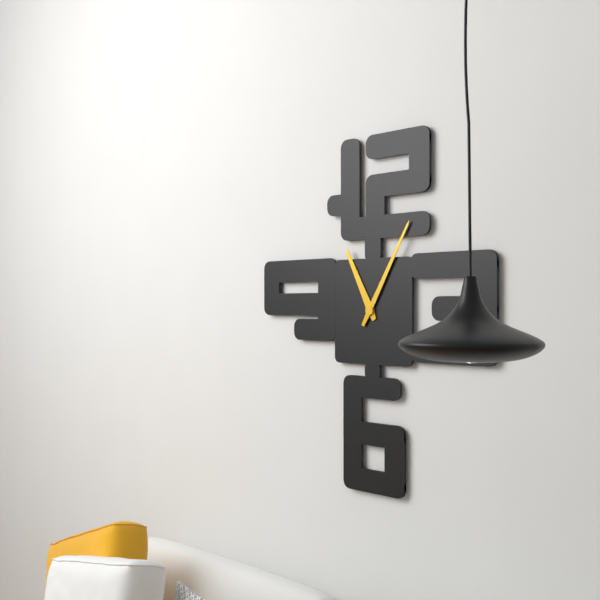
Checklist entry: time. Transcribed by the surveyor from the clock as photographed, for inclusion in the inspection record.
11:05
